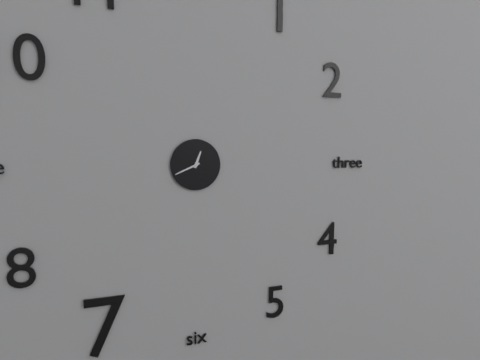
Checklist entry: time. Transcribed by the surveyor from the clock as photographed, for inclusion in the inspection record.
12:41
